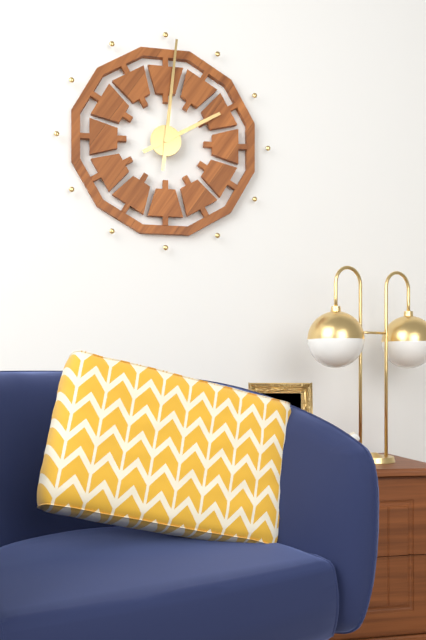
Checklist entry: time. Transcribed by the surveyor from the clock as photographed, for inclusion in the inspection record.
2:01
